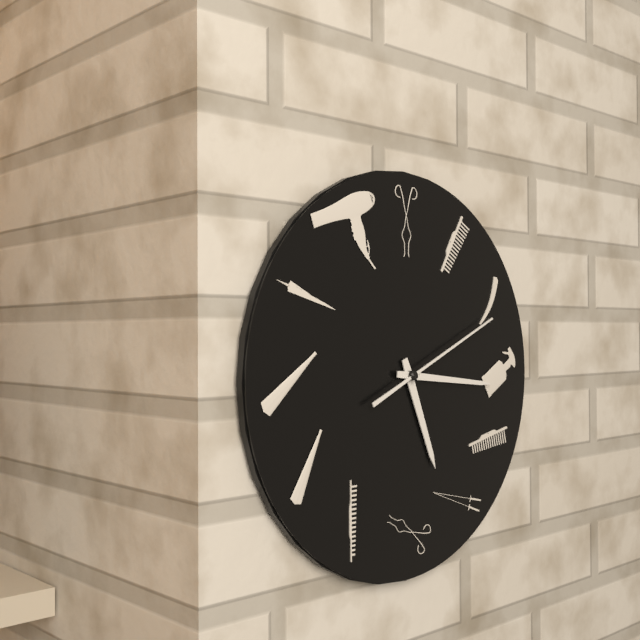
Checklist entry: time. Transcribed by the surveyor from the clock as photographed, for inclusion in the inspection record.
5:16:11
